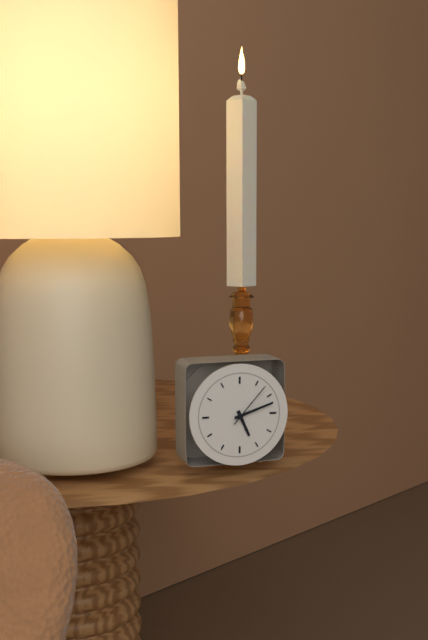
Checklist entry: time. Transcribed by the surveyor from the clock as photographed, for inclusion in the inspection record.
5:12:07
